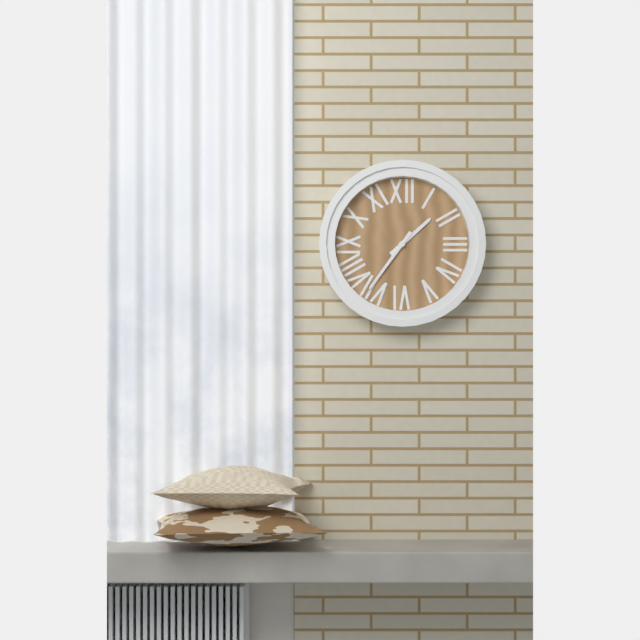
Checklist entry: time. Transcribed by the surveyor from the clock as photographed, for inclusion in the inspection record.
1:36
